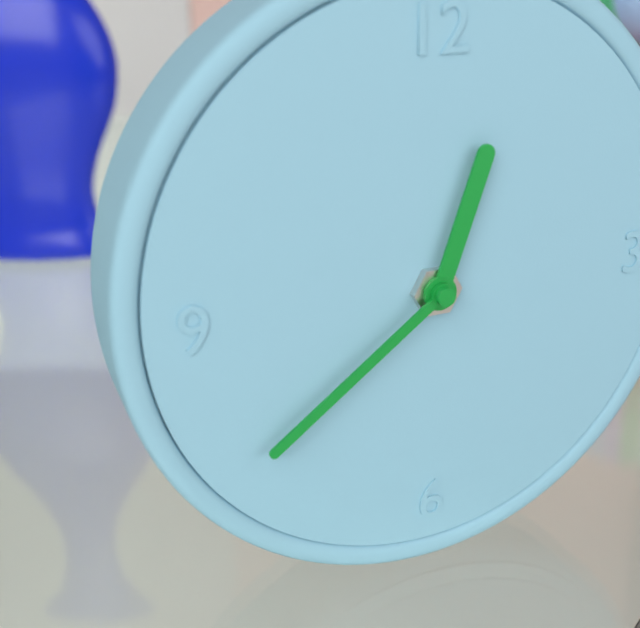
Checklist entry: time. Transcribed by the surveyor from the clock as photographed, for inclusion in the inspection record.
12:39
